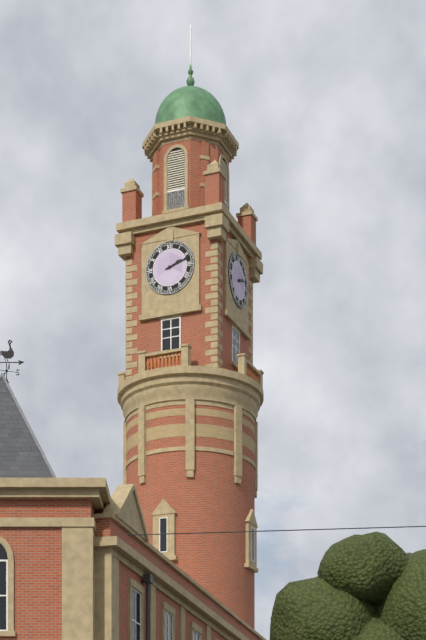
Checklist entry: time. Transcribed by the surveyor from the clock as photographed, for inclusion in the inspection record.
2:12
